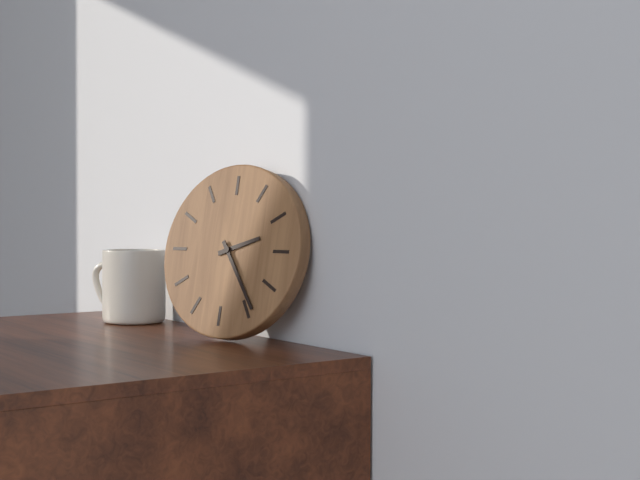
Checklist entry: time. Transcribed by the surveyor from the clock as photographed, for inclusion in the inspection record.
2:24
